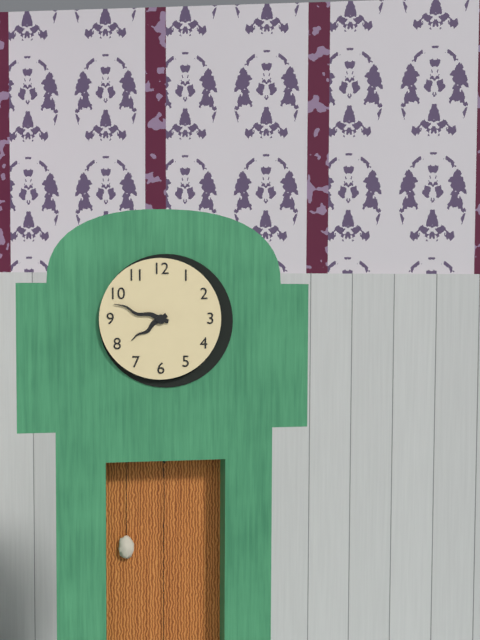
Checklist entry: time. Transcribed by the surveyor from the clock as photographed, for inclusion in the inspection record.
7:48
